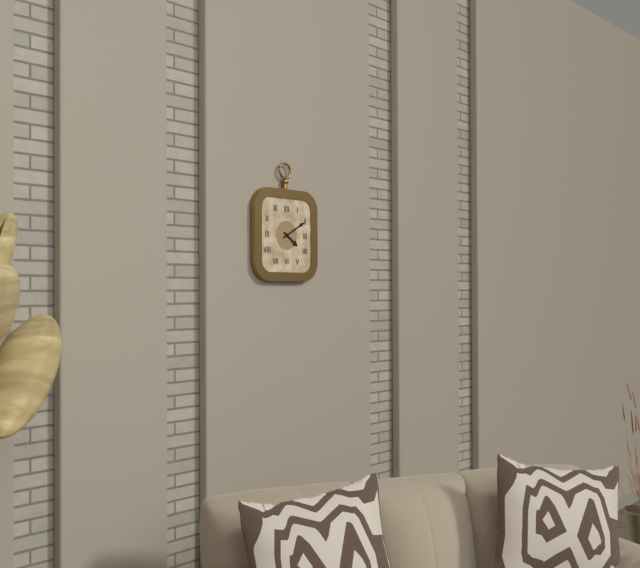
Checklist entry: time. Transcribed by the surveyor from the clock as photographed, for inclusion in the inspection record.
4:10
